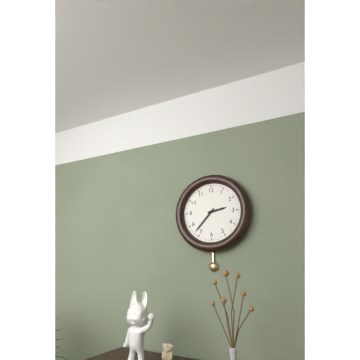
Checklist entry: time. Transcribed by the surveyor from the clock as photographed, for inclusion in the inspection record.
2:37
